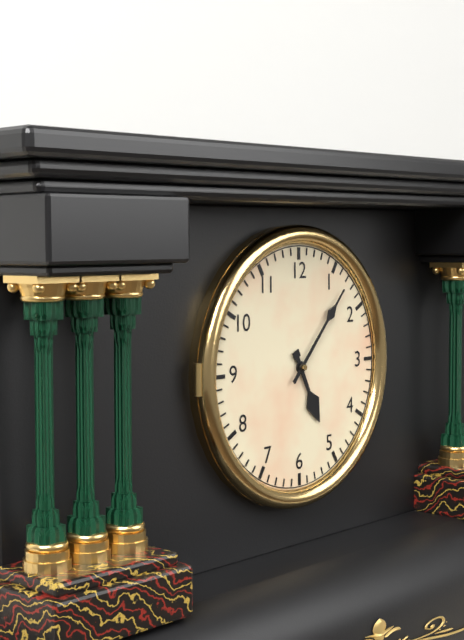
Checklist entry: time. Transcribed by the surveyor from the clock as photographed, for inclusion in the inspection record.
5:07
